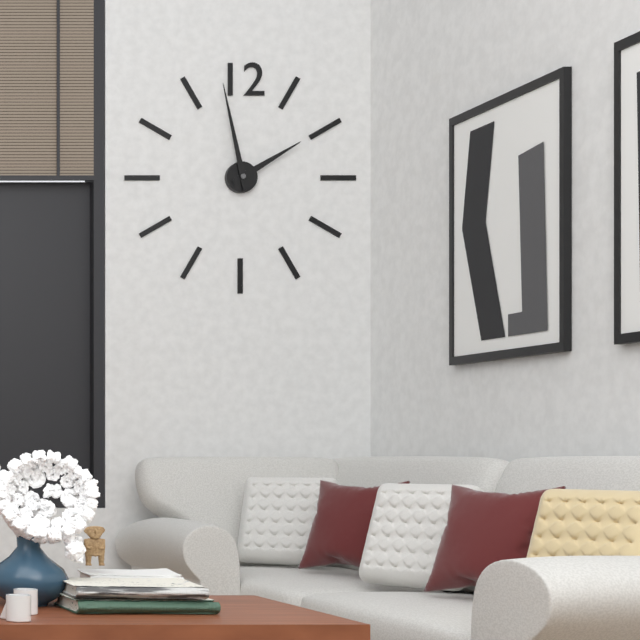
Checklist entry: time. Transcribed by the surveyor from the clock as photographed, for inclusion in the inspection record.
1:58
